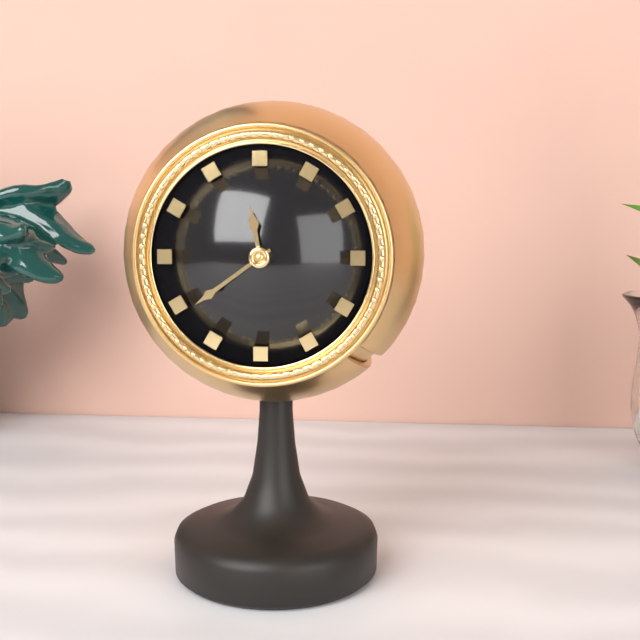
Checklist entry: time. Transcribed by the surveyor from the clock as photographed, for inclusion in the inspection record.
11:39
